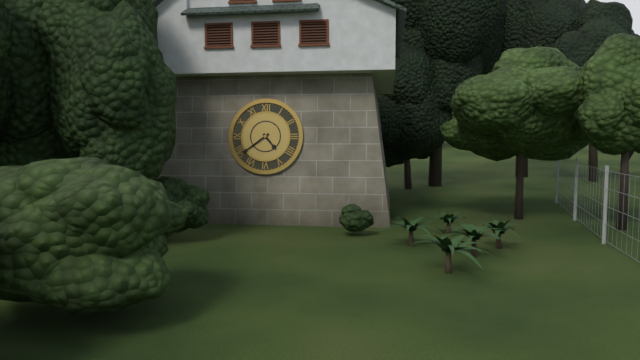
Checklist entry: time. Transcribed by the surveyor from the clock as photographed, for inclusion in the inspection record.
4:39
